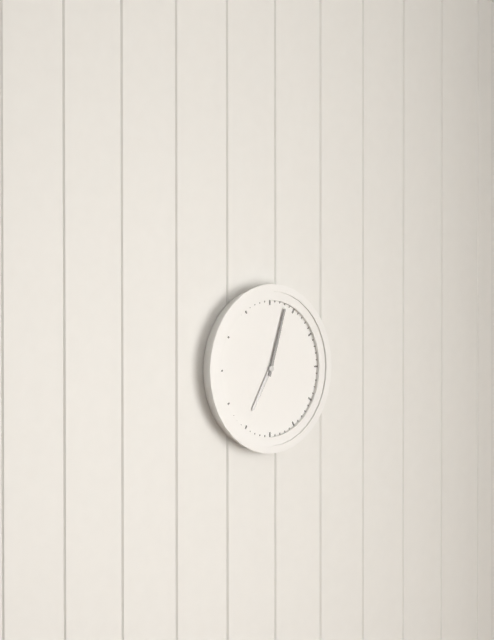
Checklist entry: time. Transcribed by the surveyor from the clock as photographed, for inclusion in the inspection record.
7:03
